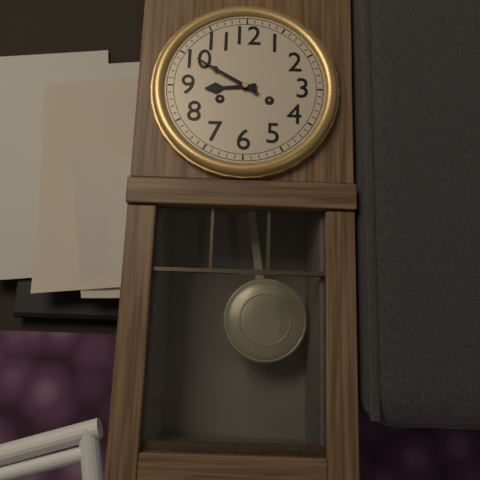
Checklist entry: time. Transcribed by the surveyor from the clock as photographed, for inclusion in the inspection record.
8:50
